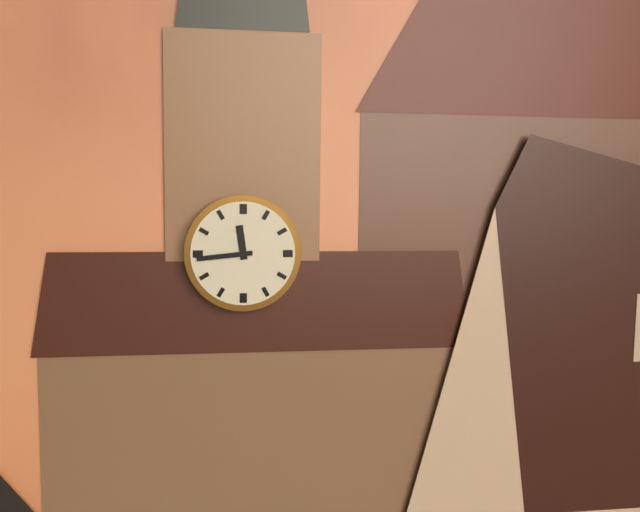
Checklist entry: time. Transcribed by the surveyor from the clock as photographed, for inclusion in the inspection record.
11:44
